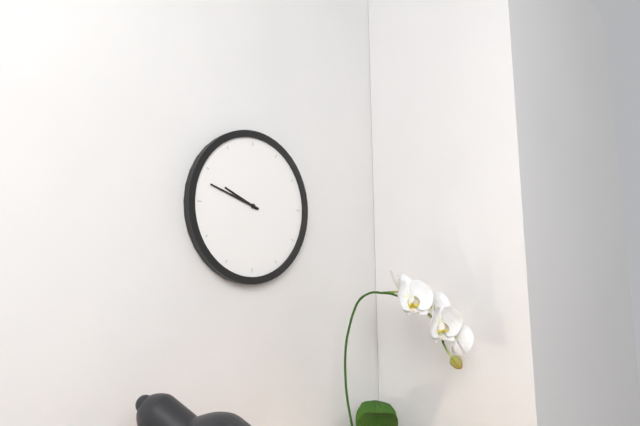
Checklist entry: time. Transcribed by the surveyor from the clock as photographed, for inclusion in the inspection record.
9:48
